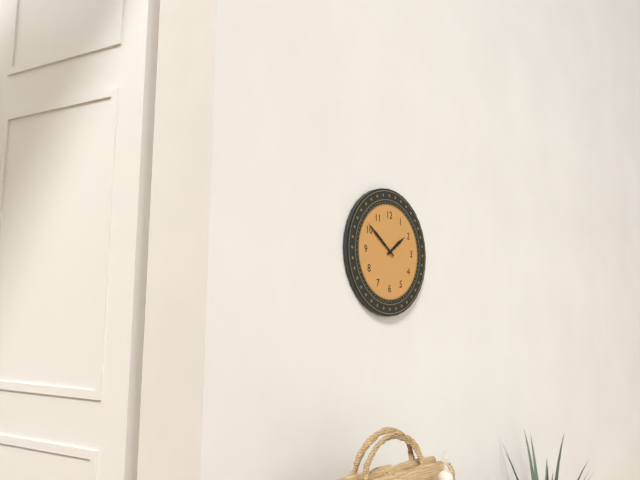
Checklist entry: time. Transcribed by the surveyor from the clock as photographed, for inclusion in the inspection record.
1:51
